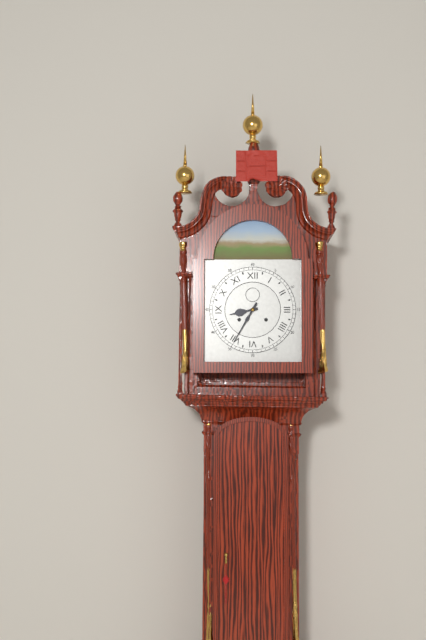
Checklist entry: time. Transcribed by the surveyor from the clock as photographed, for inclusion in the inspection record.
8:35
